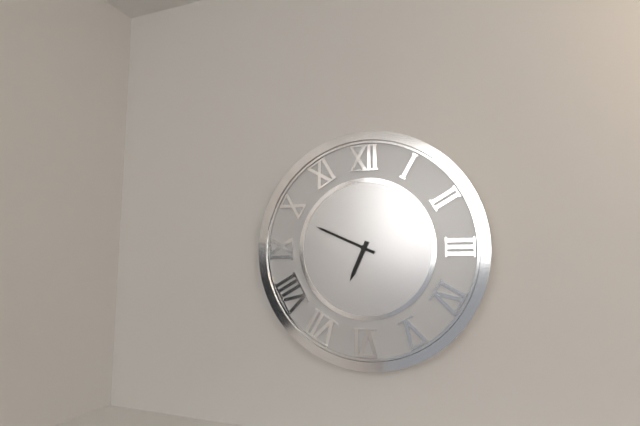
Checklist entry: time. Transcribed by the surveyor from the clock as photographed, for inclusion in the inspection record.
6:49
